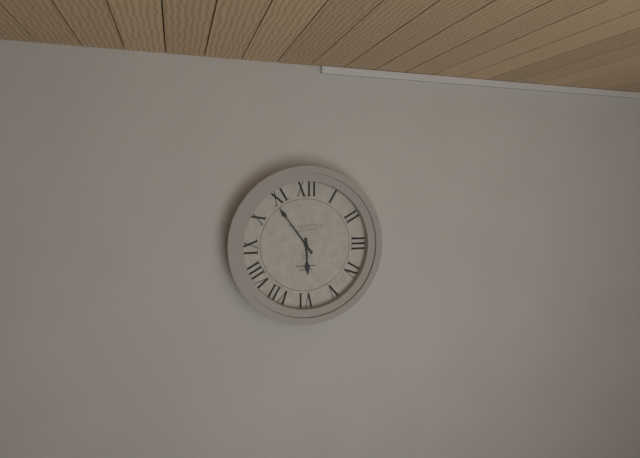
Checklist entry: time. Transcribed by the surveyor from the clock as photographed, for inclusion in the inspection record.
5:54
